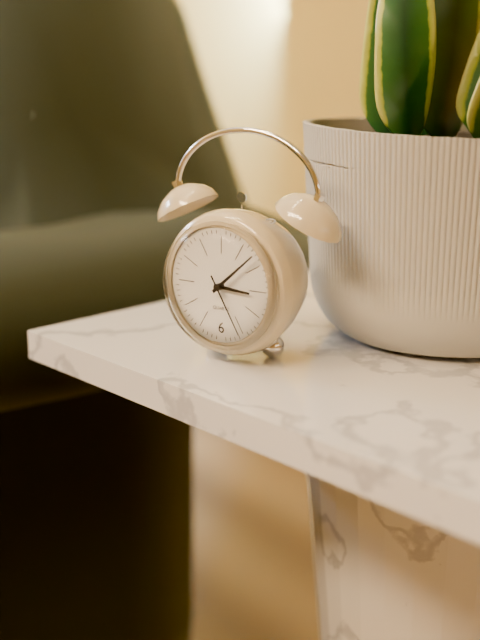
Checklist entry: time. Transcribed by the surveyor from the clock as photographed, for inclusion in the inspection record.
3:08:25
